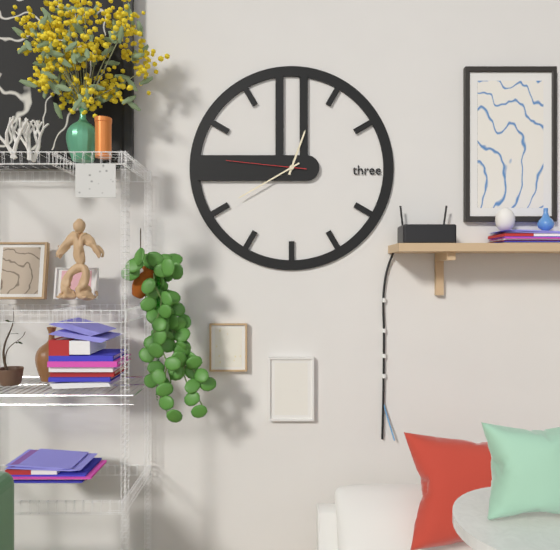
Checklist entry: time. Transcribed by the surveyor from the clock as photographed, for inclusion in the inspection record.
12:40:46
